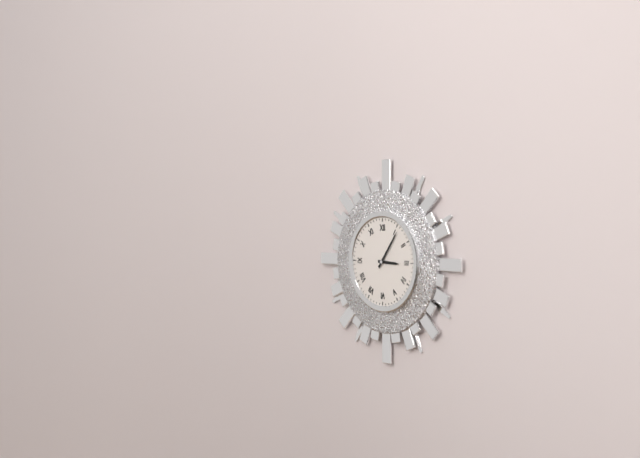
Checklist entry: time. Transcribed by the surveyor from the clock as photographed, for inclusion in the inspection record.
3:06
